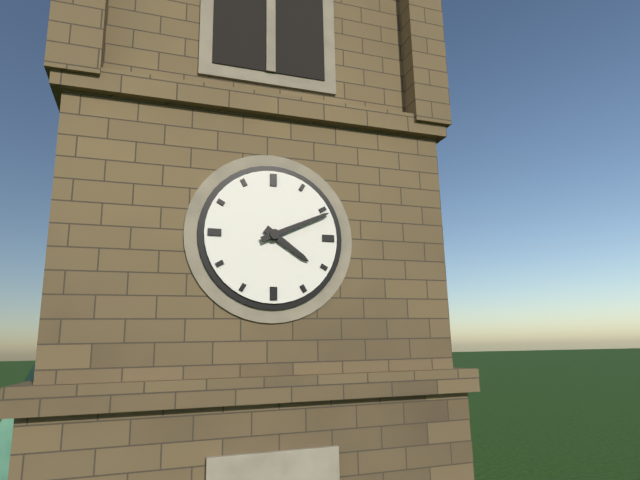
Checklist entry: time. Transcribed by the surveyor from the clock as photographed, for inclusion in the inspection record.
4:11
